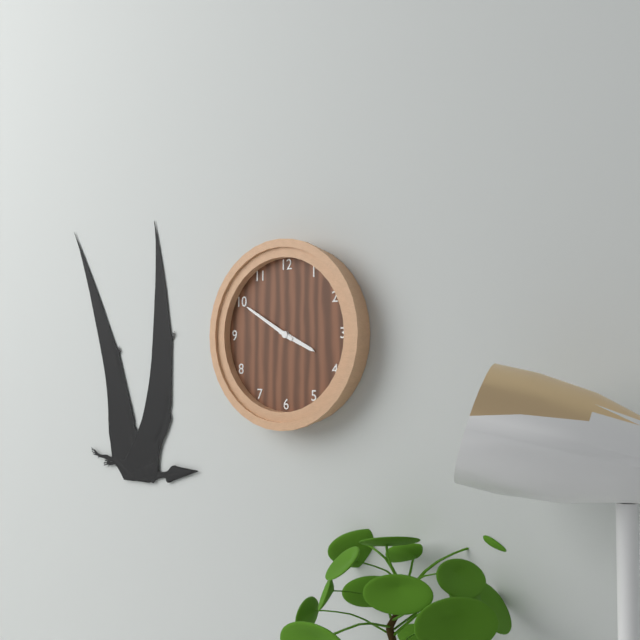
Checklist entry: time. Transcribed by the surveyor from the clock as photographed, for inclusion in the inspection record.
3:50
